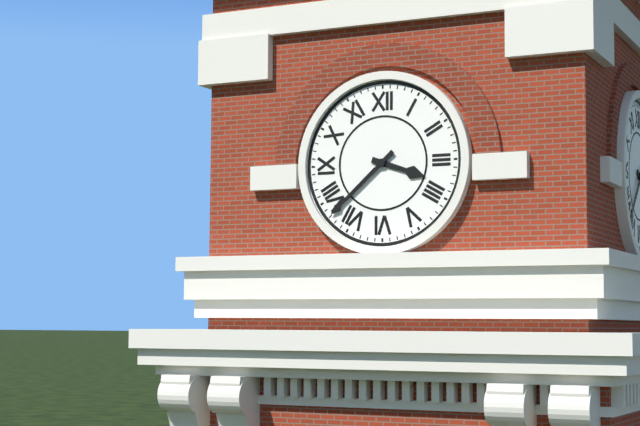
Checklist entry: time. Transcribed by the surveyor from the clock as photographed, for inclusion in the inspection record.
3:38
